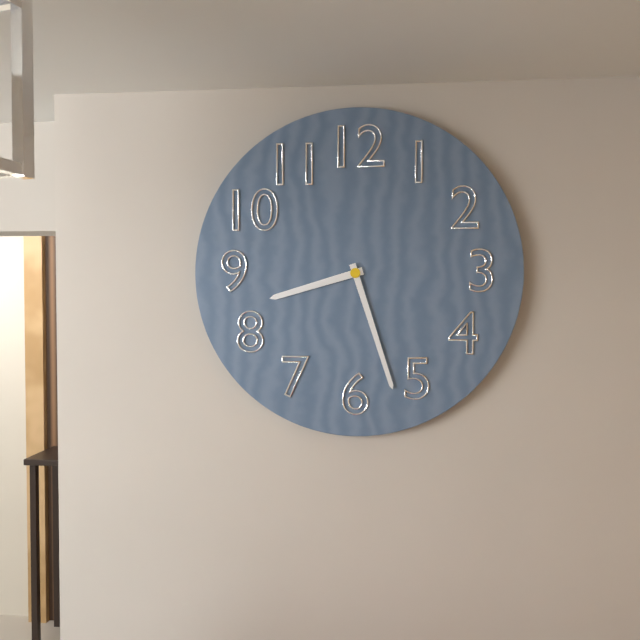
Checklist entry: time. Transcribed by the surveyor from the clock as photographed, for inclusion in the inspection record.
8:27
